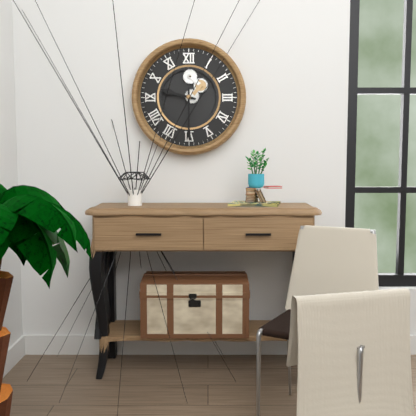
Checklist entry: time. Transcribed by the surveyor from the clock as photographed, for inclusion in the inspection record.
9:30
